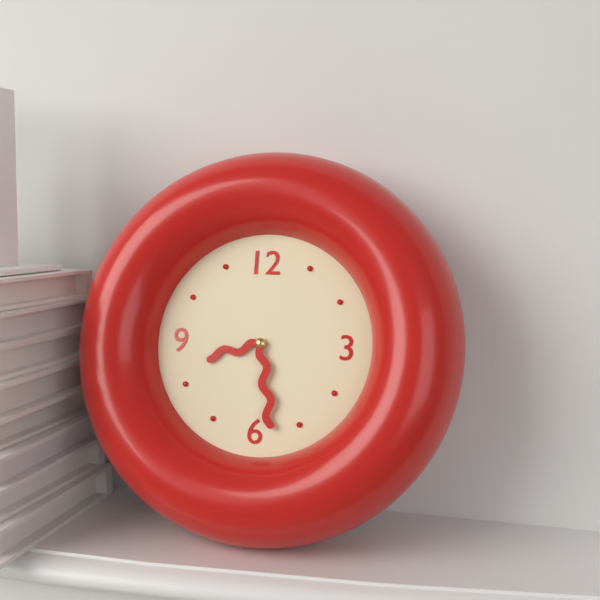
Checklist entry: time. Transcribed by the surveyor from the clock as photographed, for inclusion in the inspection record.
8:28
